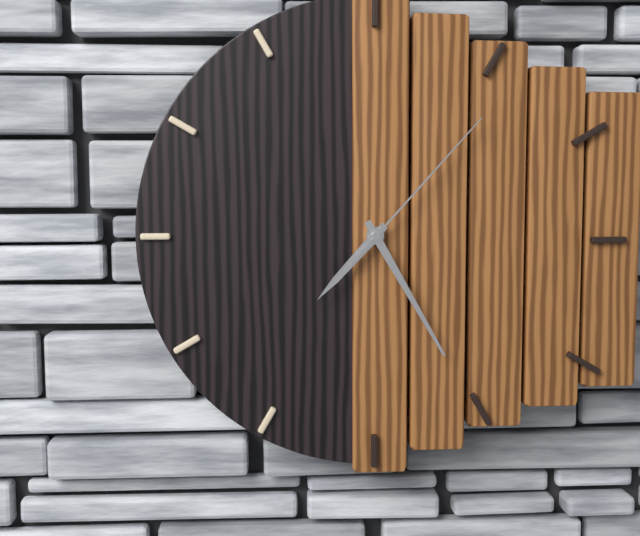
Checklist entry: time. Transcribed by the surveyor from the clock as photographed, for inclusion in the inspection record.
7:25:07
